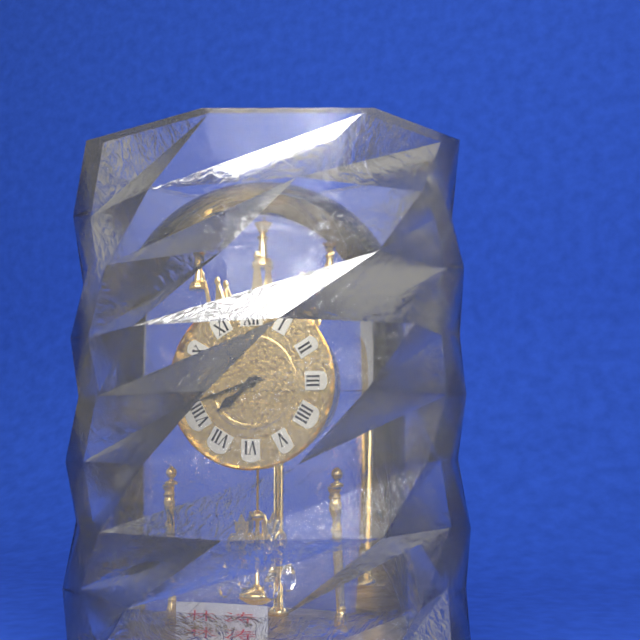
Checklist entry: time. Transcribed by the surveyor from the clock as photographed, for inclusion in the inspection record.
7:42
